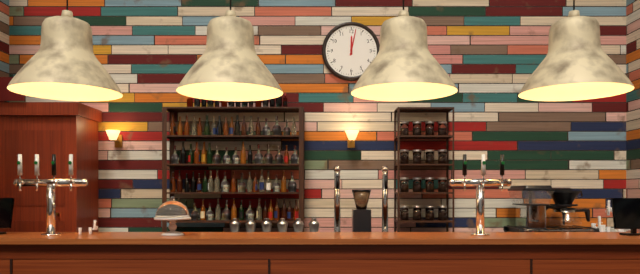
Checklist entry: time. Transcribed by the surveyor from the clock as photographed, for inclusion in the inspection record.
12:02
